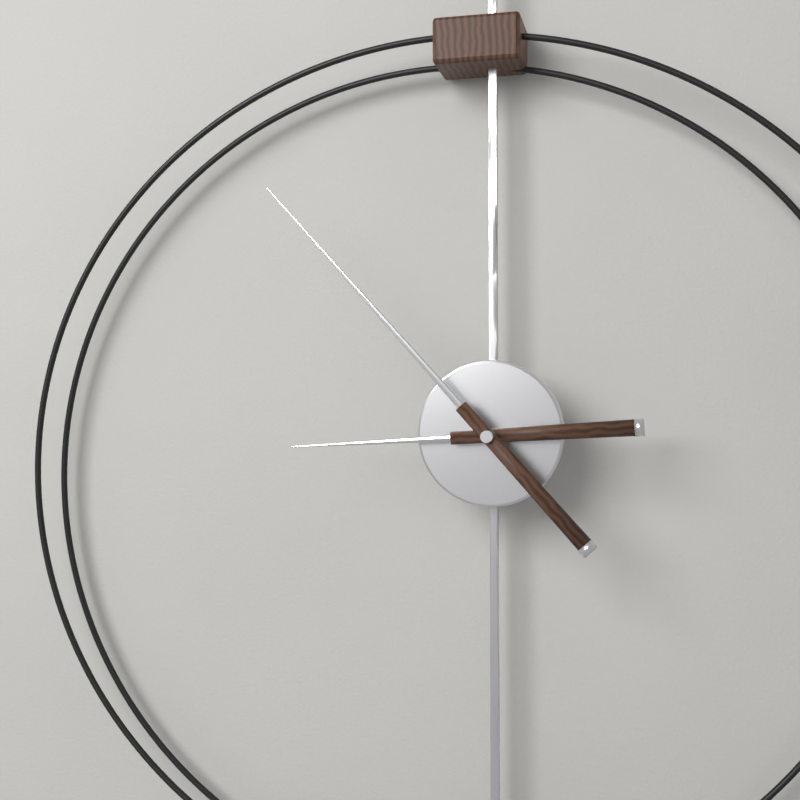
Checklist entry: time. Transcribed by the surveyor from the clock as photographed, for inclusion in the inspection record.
8:53
